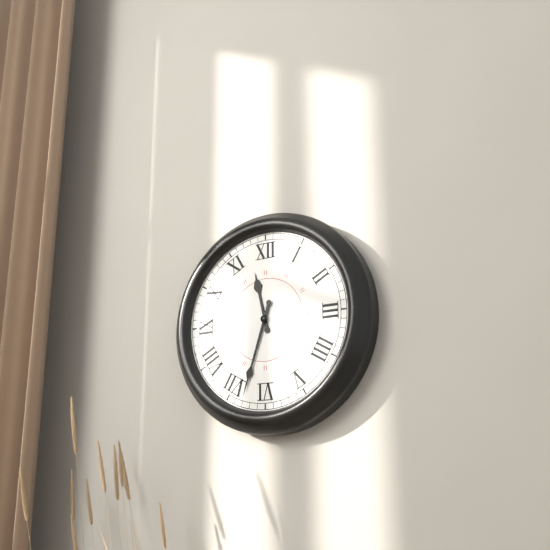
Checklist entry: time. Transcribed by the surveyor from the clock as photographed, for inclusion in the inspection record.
11:33
